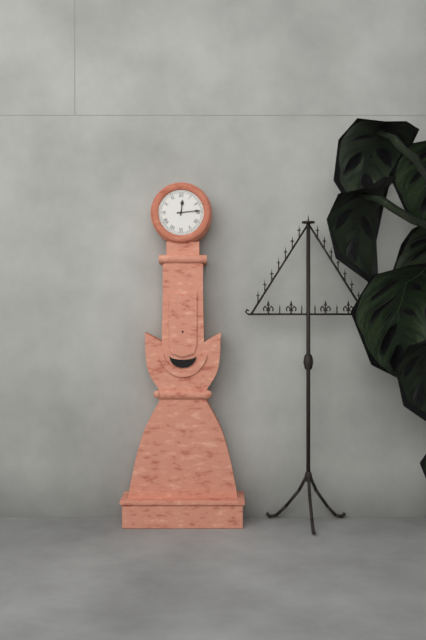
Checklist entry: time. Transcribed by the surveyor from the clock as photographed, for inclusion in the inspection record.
12:14
